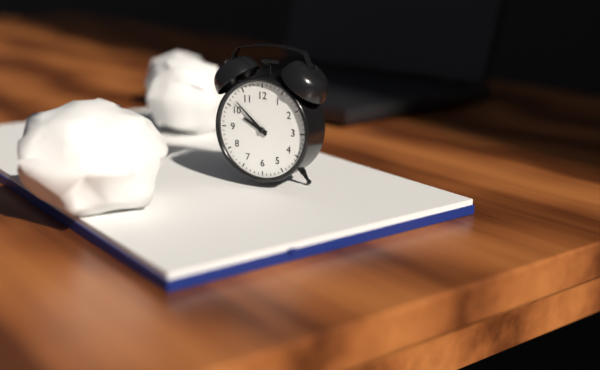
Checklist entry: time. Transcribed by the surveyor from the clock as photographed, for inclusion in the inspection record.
9:52
